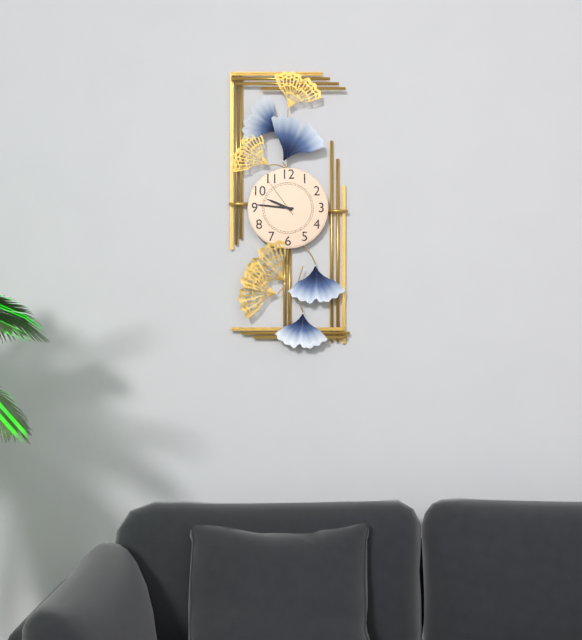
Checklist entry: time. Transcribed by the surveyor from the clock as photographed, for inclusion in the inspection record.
9:46
